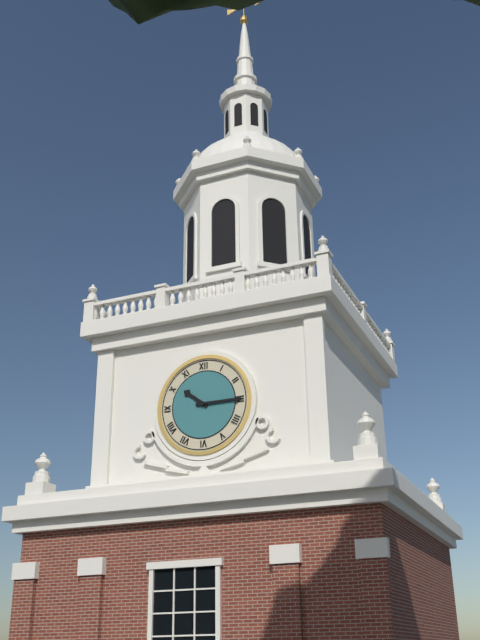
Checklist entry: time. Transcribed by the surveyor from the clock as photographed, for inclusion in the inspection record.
10:15
